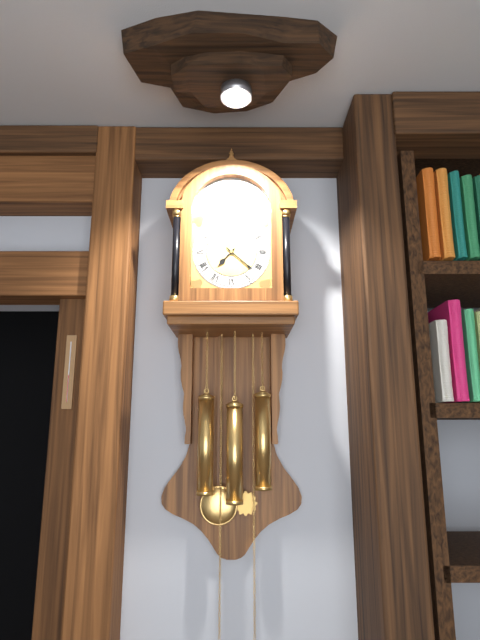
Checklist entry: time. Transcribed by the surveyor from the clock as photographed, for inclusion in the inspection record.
7:22
